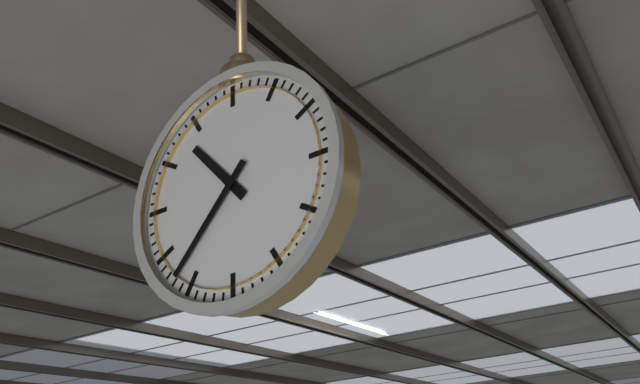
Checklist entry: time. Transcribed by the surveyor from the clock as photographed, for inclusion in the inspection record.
10:37
